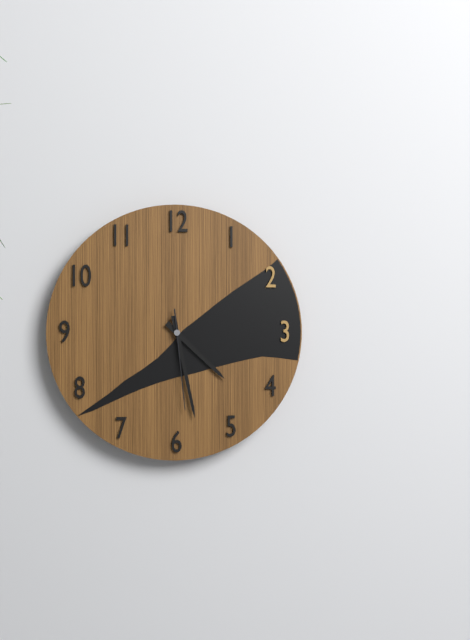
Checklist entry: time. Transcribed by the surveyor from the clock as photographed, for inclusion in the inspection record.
4:28:29
